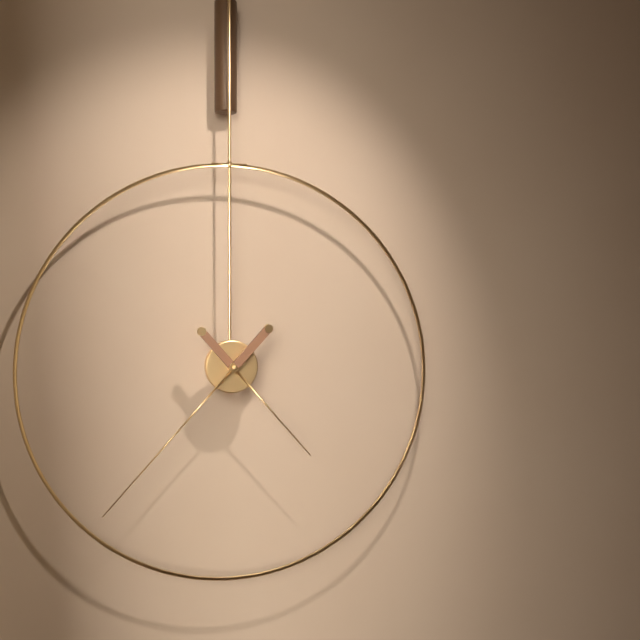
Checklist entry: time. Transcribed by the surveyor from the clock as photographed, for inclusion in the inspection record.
4:37
